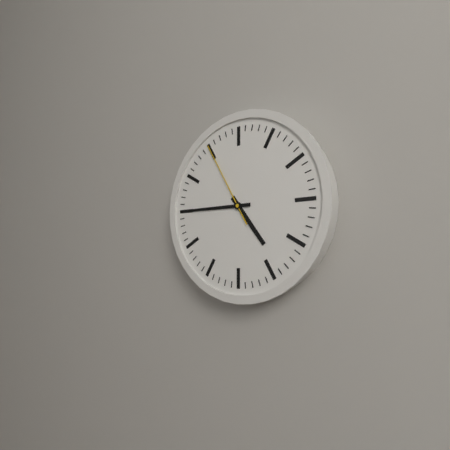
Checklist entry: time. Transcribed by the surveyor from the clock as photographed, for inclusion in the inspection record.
4:45:55
